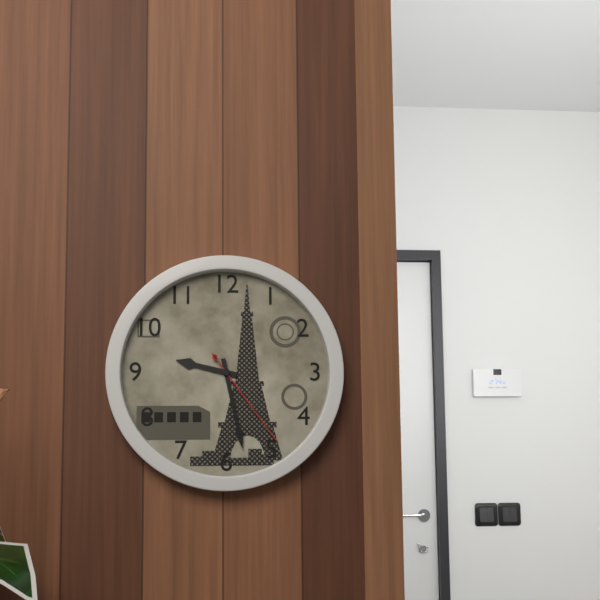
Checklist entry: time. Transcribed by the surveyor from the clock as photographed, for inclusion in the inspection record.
9:28:24
